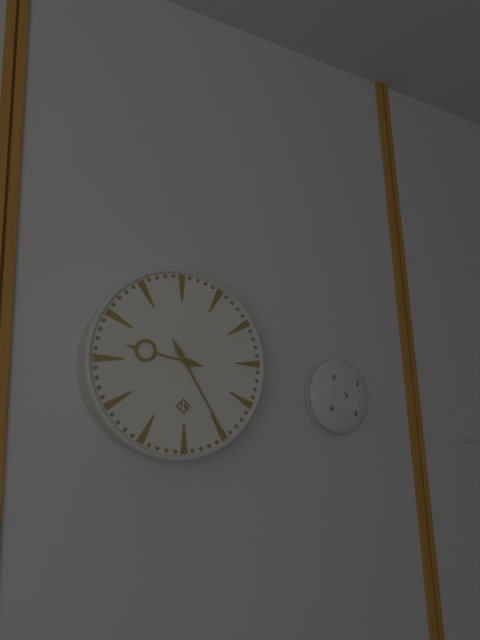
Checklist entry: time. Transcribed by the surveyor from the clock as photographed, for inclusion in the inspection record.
9:25
